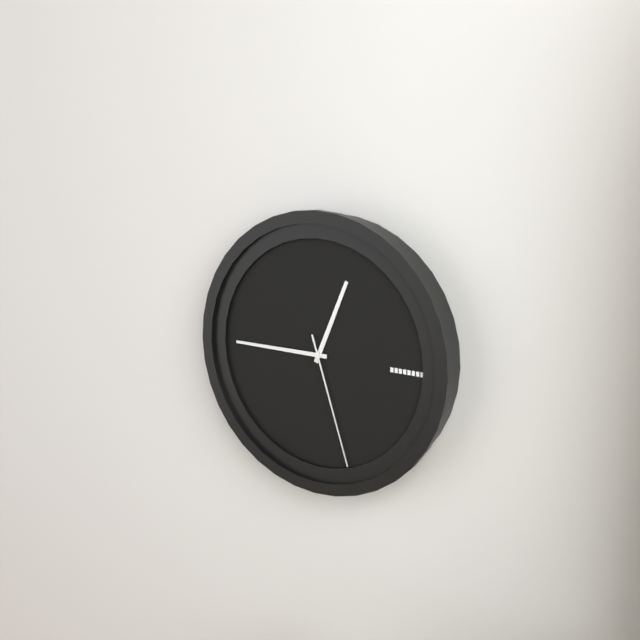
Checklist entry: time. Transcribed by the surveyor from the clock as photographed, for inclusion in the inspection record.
12:45:27
